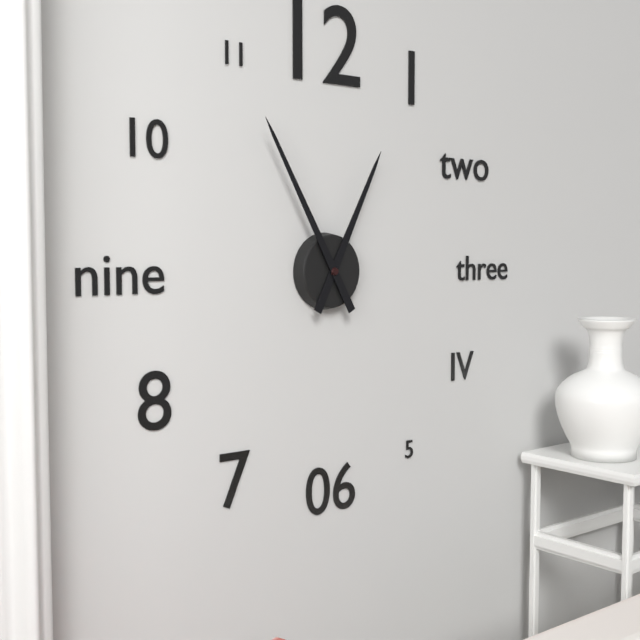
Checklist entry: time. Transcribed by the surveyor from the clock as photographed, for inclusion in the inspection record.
12:55
